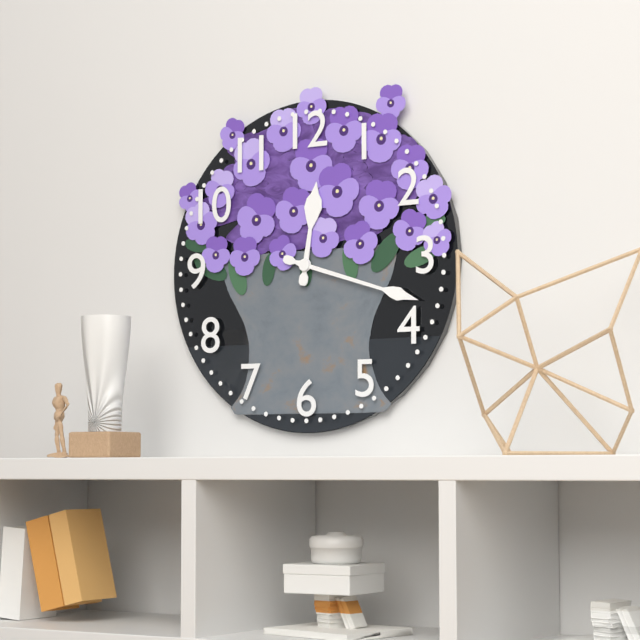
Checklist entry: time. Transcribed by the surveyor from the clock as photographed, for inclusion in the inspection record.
12:18
